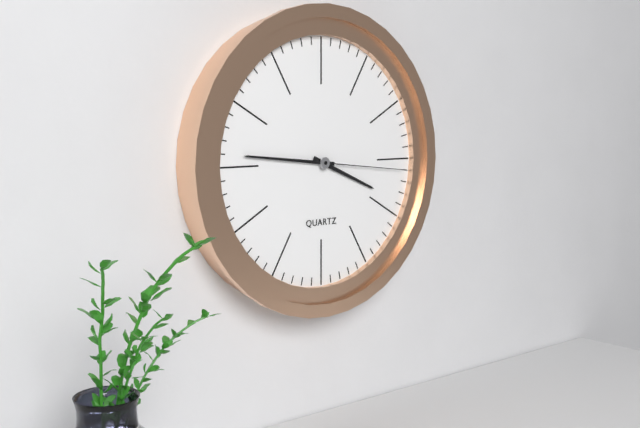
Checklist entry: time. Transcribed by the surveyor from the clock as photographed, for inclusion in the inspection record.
3:46:16
